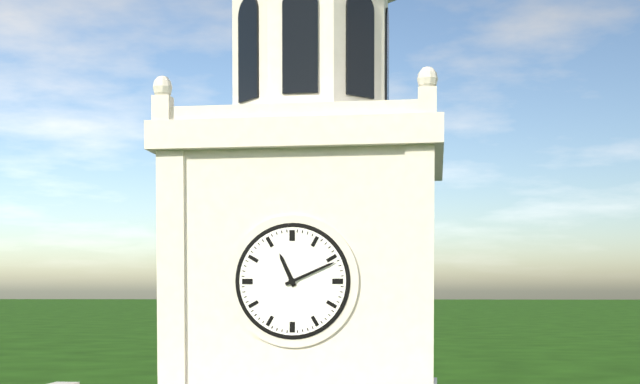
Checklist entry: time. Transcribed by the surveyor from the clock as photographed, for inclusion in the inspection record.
11:11
